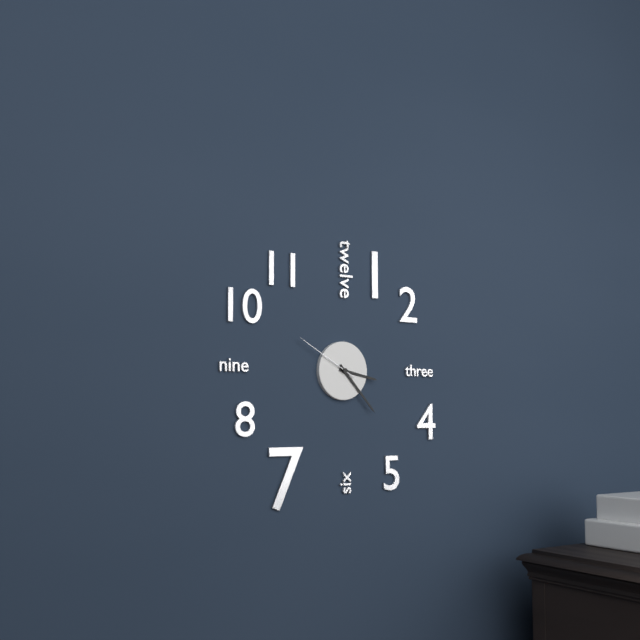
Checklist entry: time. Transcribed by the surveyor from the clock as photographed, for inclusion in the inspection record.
3:23:50
